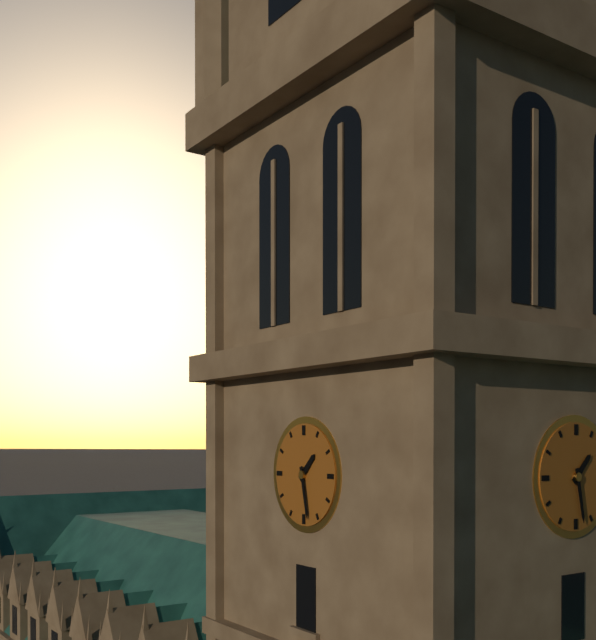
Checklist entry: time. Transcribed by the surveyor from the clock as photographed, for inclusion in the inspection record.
1:28
